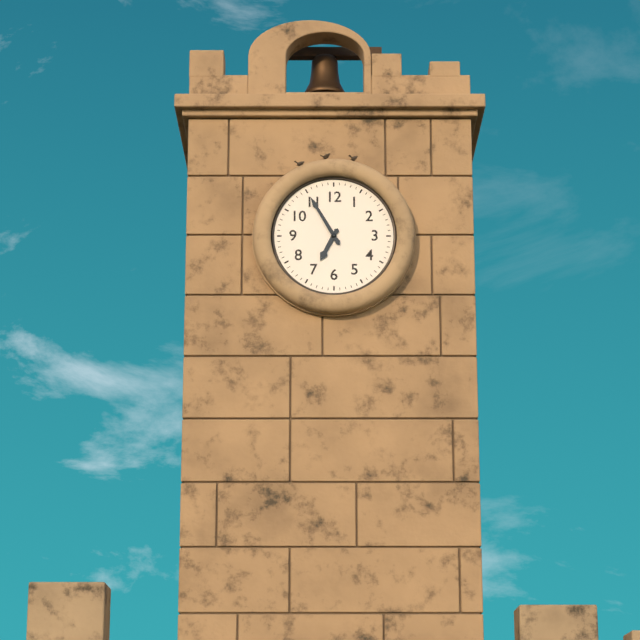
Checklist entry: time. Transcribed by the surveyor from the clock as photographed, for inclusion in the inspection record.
6:55
